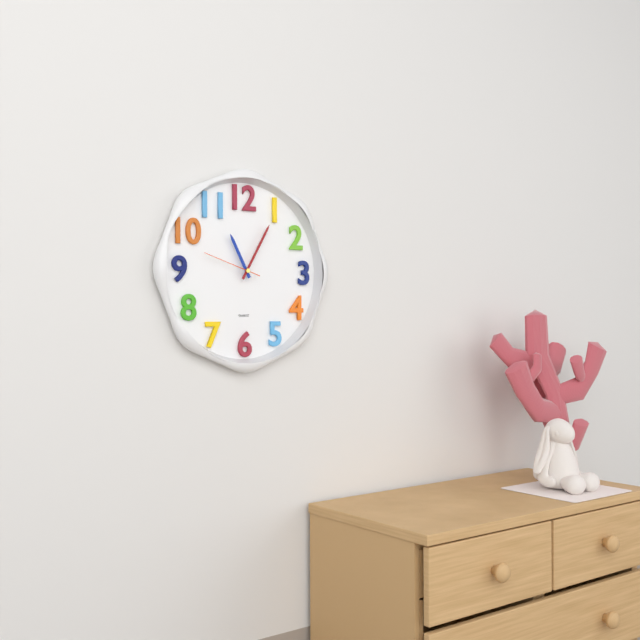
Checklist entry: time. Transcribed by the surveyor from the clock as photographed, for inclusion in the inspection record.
11:05:48
